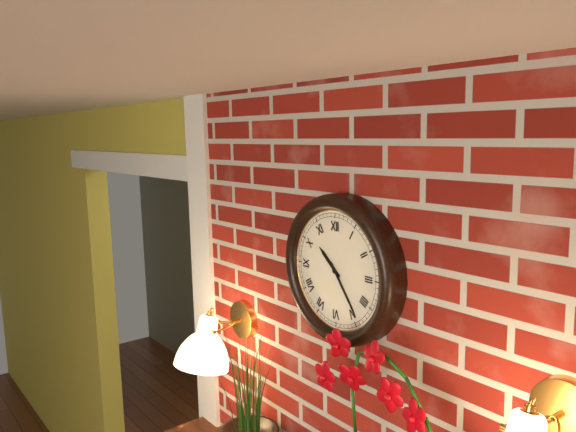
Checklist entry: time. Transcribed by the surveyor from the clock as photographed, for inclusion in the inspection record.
10:24
